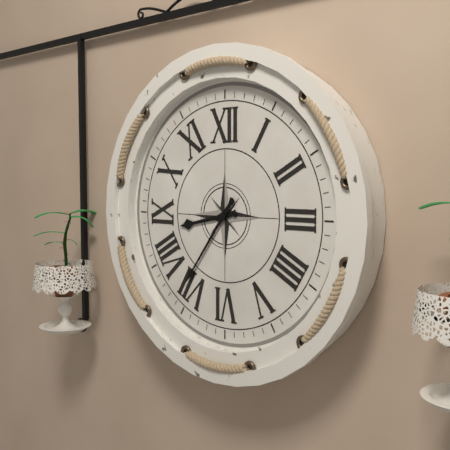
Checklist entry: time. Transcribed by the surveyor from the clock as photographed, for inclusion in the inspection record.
8:36
